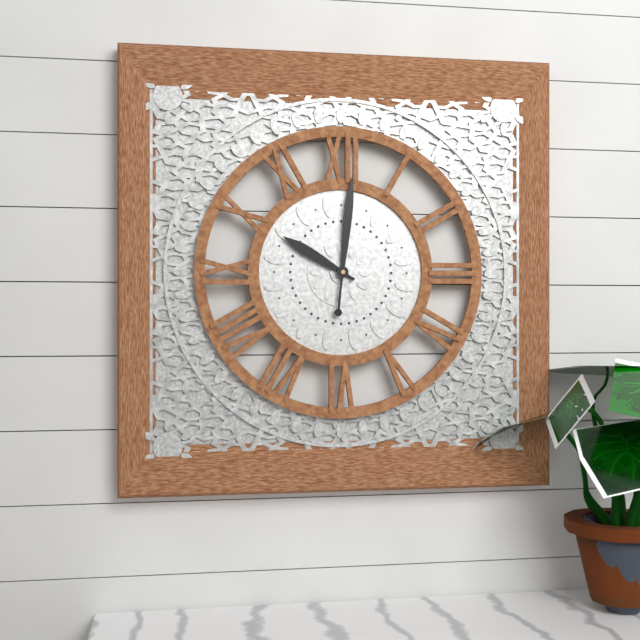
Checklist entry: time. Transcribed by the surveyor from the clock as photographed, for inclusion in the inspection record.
10:01
